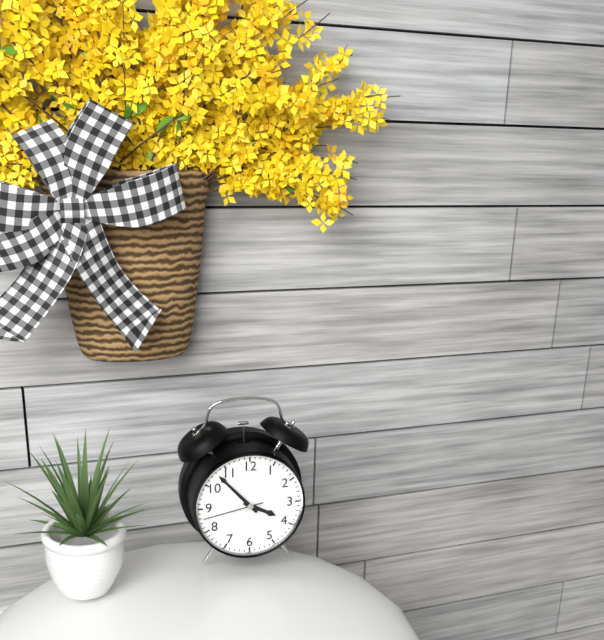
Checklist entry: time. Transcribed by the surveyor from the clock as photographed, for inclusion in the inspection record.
3:53:43
